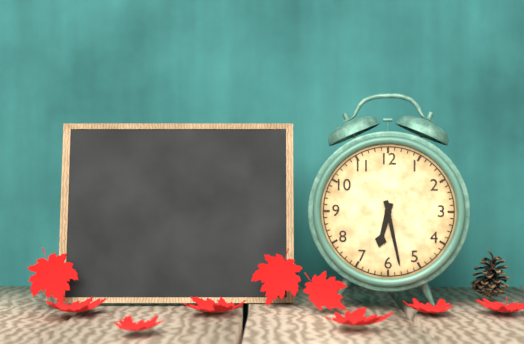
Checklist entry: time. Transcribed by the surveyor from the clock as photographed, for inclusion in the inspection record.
6:28
